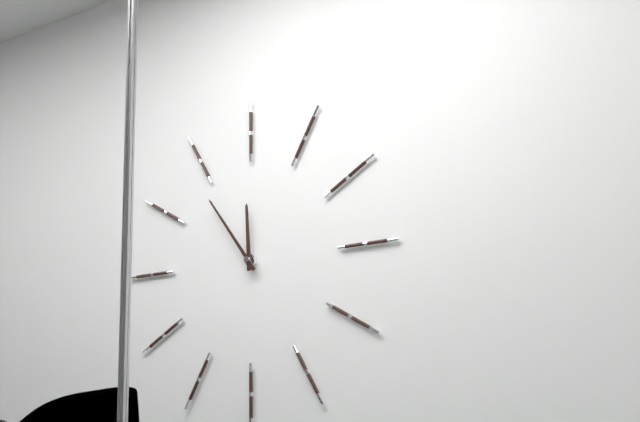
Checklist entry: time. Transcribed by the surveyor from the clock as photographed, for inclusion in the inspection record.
11:54
